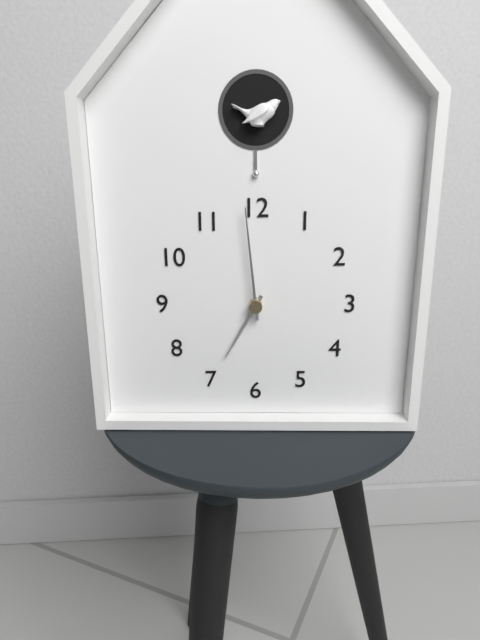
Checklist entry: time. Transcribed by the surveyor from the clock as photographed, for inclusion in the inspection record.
6:59
